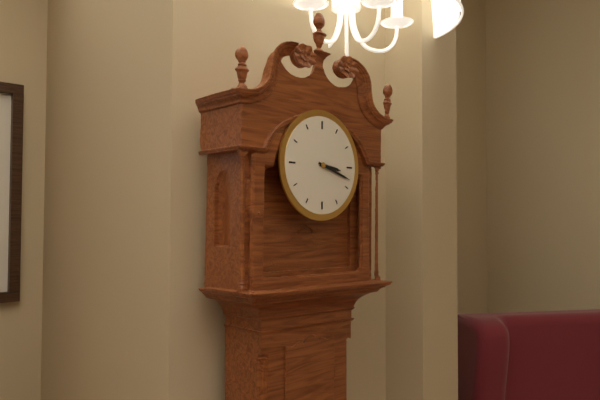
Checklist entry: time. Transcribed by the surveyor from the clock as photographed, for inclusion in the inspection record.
3:18
